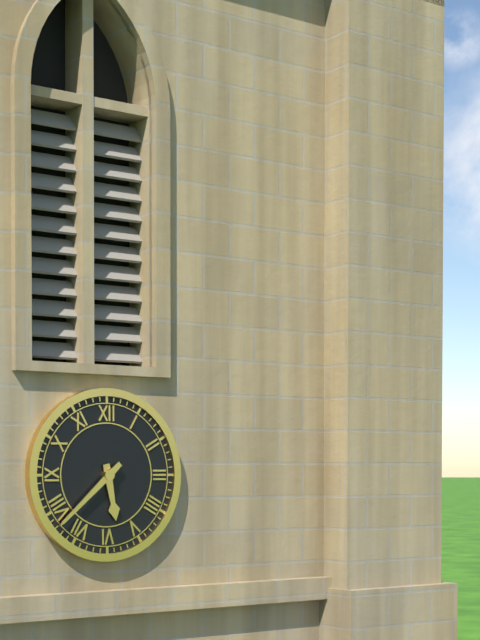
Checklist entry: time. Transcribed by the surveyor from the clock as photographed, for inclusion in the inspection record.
5:38
